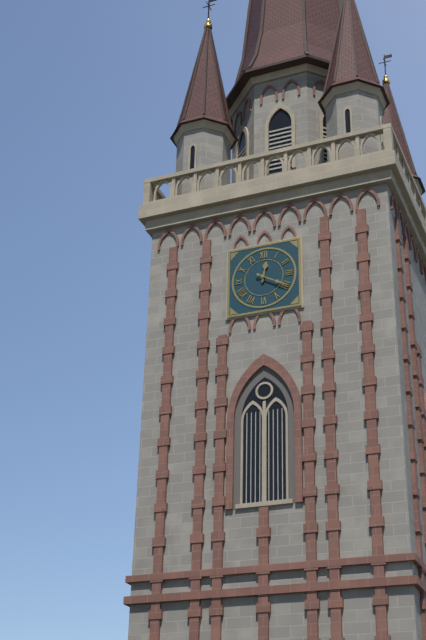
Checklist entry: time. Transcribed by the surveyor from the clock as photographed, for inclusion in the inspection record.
12:20
